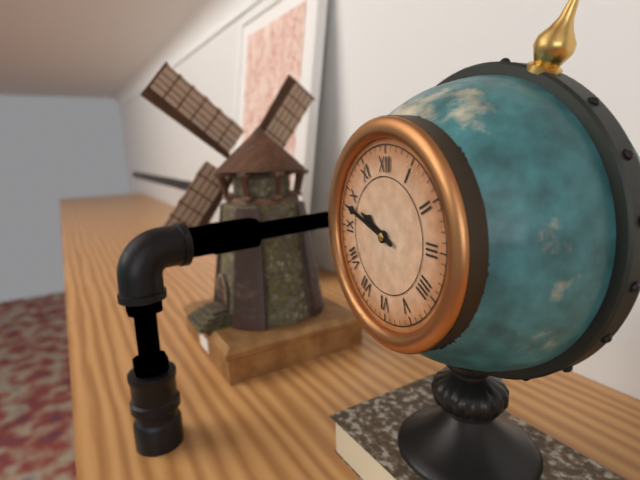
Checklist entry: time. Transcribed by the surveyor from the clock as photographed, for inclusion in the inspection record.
9:48
